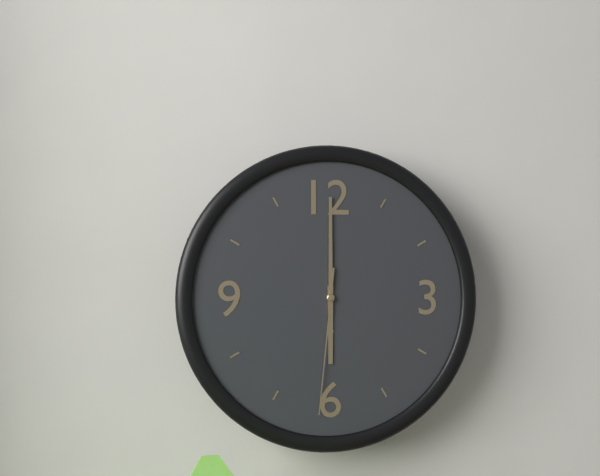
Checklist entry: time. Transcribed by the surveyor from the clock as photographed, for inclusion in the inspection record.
6:00:31
